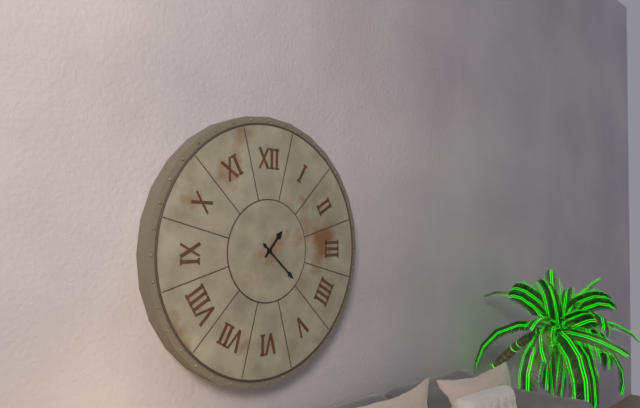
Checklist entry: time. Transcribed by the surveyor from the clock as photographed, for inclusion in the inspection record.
1:22
